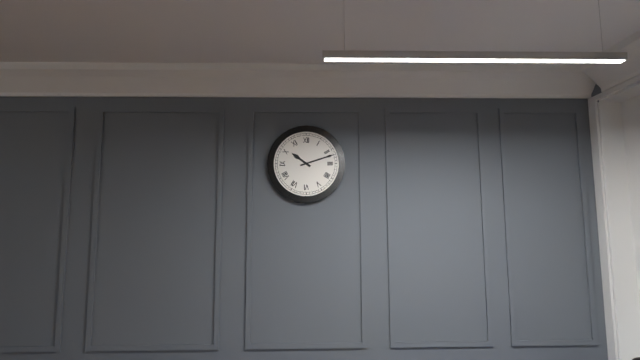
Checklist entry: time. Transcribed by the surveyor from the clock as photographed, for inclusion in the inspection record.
10:12
